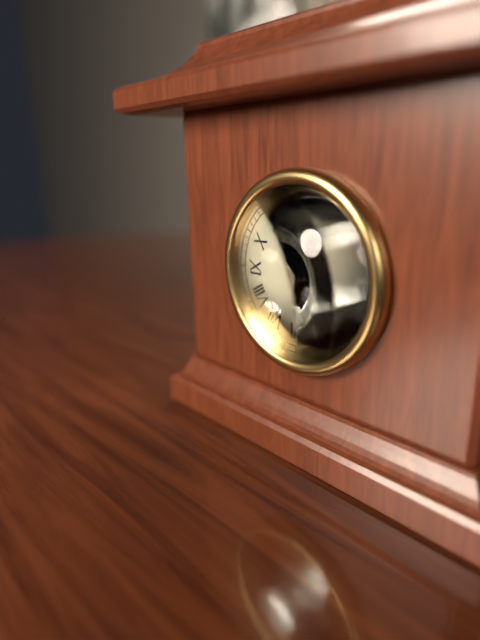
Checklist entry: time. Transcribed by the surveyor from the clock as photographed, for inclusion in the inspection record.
11:26:27
